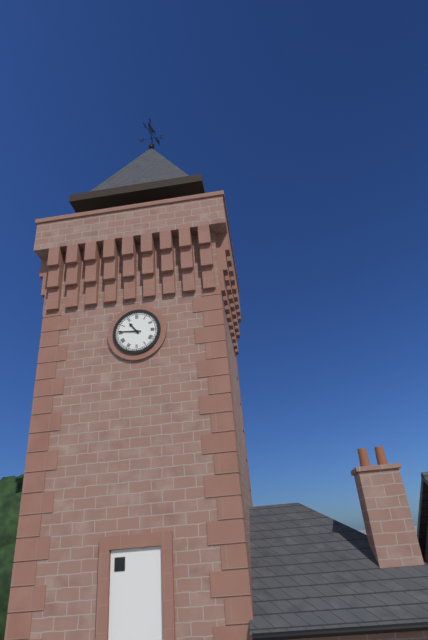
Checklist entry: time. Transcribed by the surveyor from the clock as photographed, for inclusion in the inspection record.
10:46
